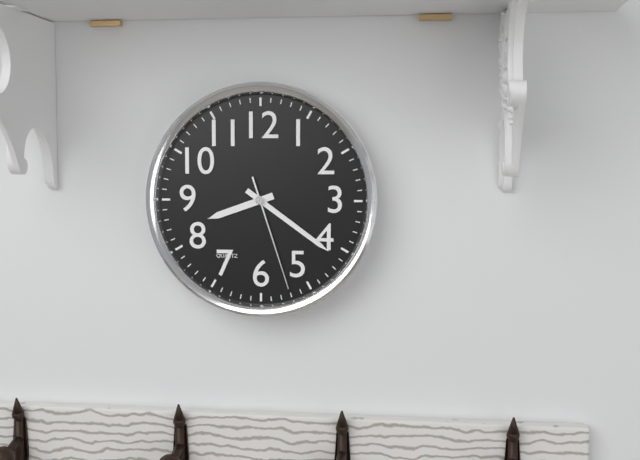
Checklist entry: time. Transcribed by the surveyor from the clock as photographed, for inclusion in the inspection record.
8:21:27
